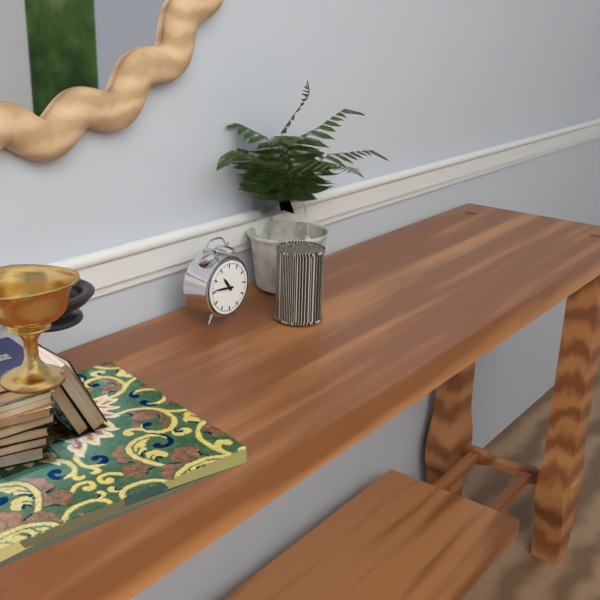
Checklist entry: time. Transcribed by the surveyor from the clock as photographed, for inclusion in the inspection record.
10:46
